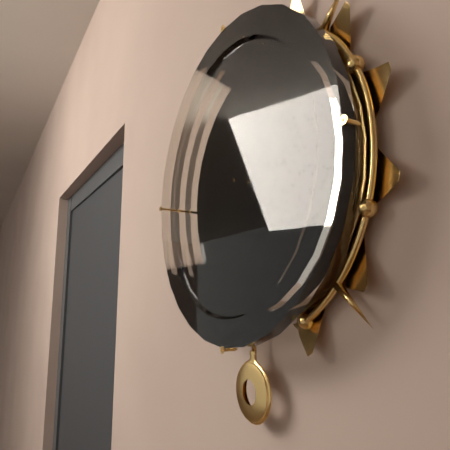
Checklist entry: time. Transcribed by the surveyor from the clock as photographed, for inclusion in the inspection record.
7:31
